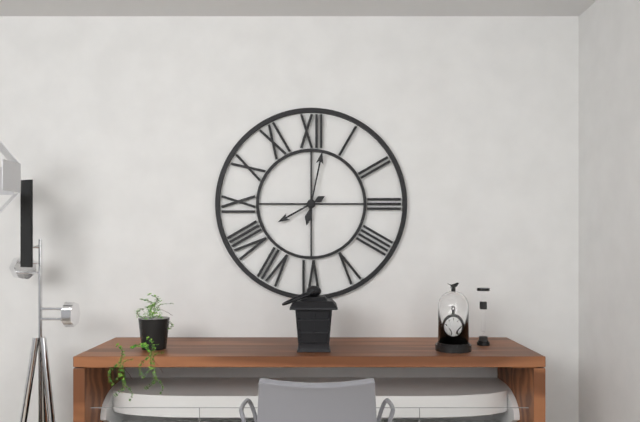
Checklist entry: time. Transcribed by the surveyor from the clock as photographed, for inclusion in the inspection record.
8:02
